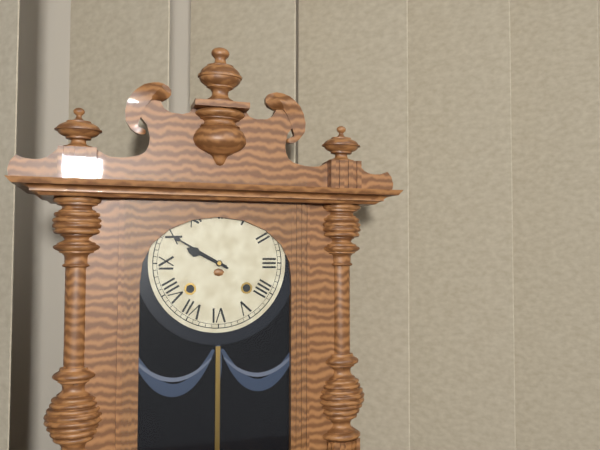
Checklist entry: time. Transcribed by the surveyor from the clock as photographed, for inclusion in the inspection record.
9:50
